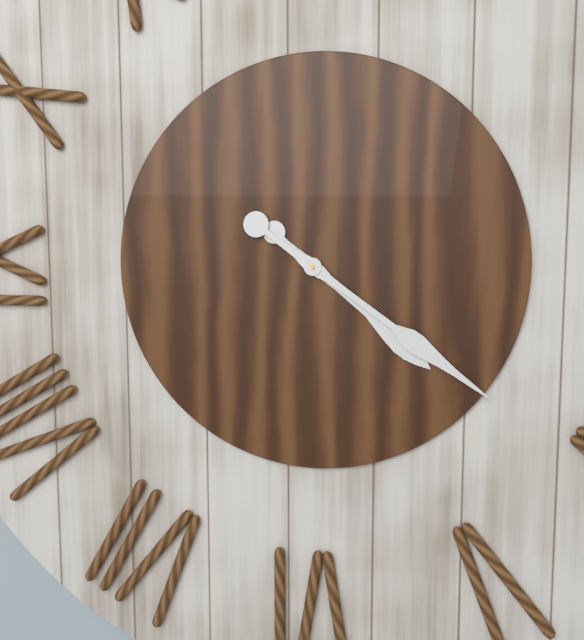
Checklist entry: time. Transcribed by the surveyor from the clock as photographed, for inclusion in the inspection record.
4:21
